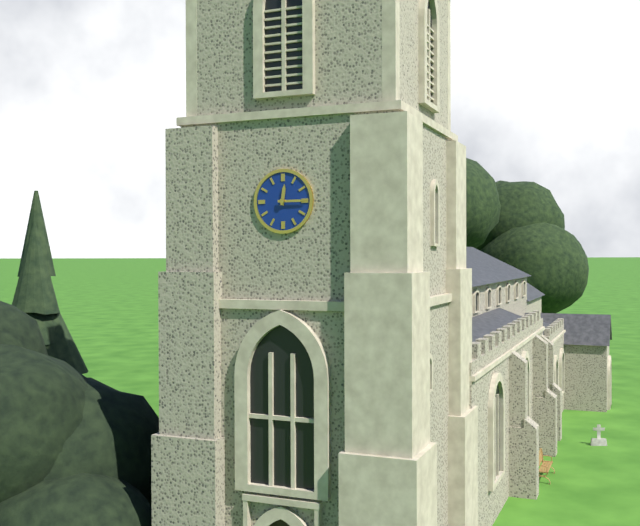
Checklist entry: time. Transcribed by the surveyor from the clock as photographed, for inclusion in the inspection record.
12:15
